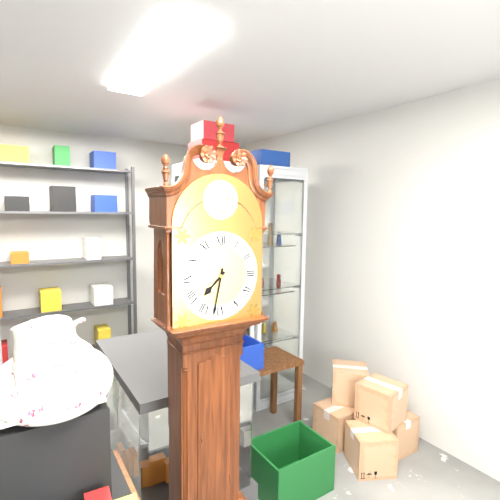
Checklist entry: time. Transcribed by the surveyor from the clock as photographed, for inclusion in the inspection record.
7:32
